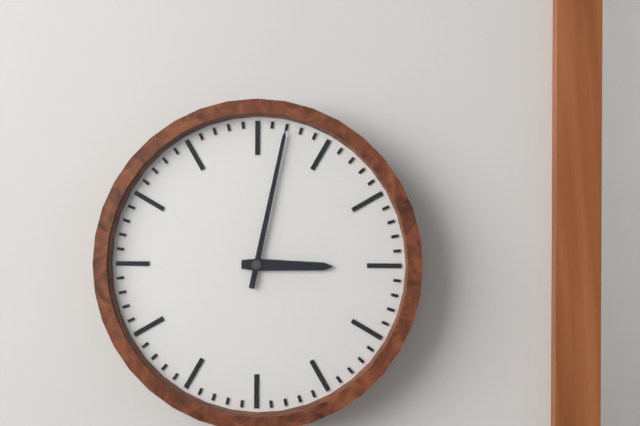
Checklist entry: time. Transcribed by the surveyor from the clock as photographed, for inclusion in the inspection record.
3:02
